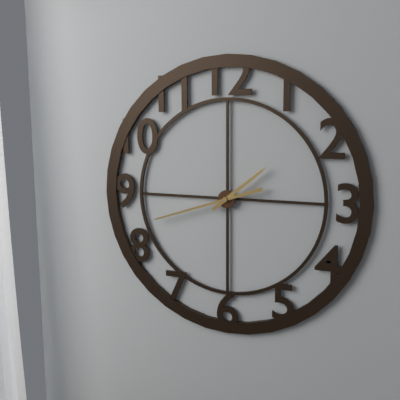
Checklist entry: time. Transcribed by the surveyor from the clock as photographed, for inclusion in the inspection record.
1:42
